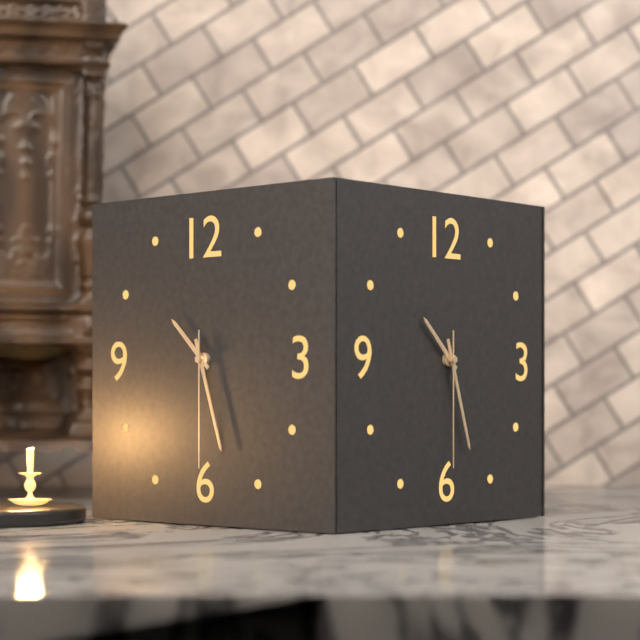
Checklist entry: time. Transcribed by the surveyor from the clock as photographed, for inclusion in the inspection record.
10:27:30
